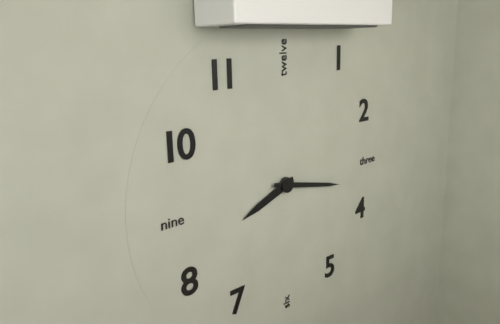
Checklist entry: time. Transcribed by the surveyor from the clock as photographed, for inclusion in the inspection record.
8:17
